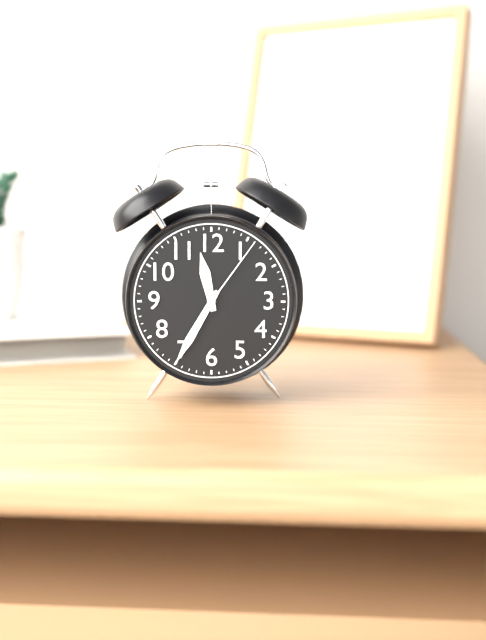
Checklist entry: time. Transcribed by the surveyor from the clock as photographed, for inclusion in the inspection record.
11:35:06
